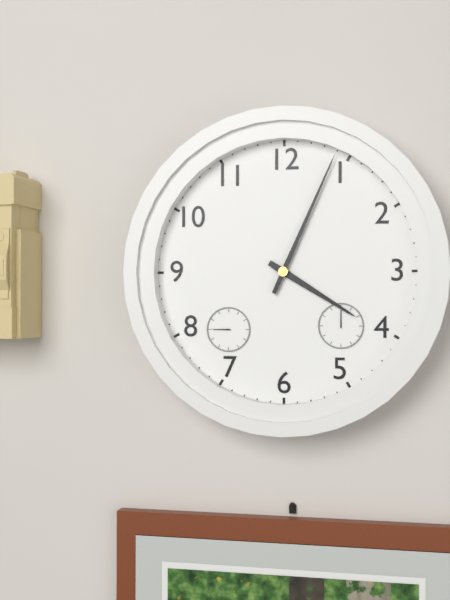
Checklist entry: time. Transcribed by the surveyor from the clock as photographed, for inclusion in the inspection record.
4:04
